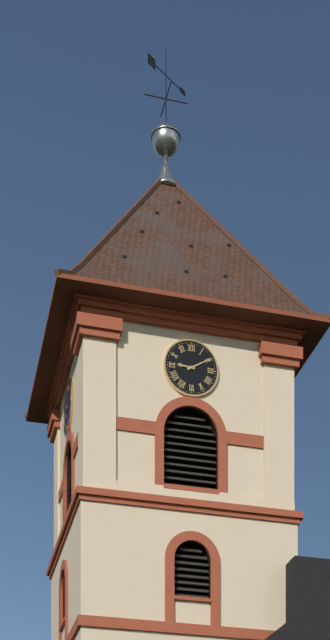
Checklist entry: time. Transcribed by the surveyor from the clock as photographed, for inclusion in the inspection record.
9:10
